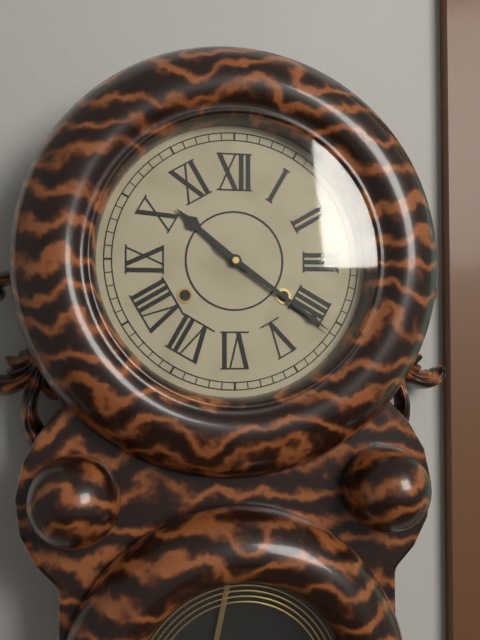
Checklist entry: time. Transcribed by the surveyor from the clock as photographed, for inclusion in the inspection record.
10:21
